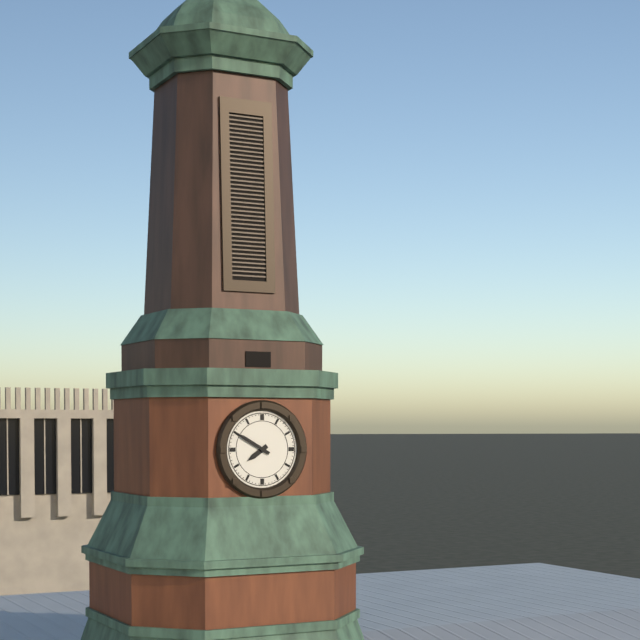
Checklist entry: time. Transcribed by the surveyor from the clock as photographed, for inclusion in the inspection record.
7:50
